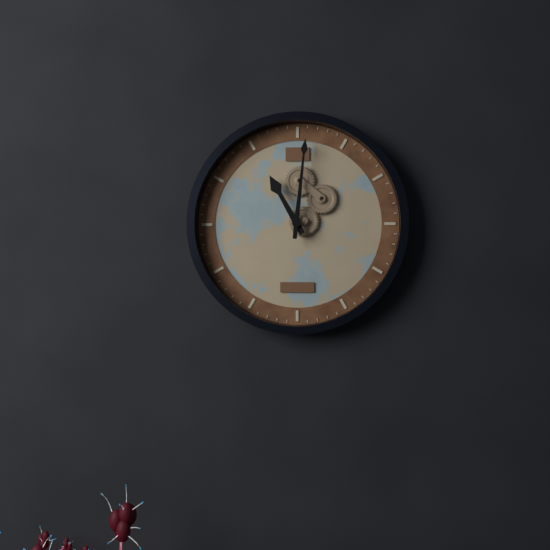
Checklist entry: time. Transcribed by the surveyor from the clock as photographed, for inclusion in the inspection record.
11:01
